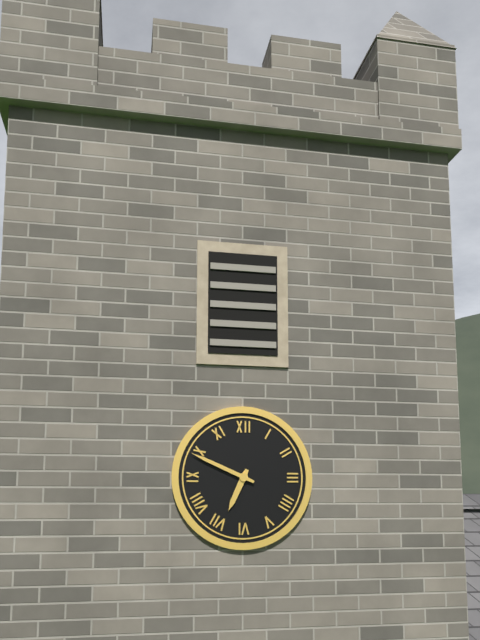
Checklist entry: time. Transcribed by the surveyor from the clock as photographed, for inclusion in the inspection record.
6:49
